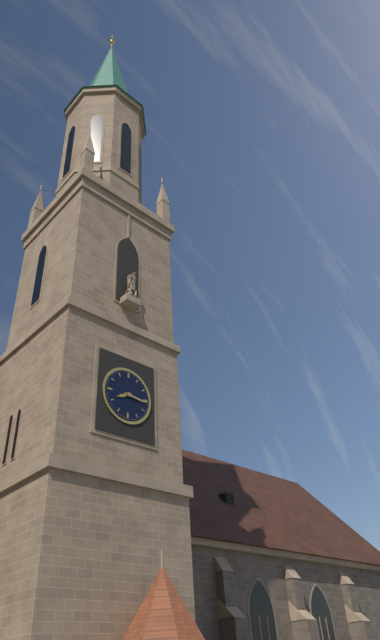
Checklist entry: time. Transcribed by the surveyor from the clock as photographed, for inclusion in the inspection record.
8:16
